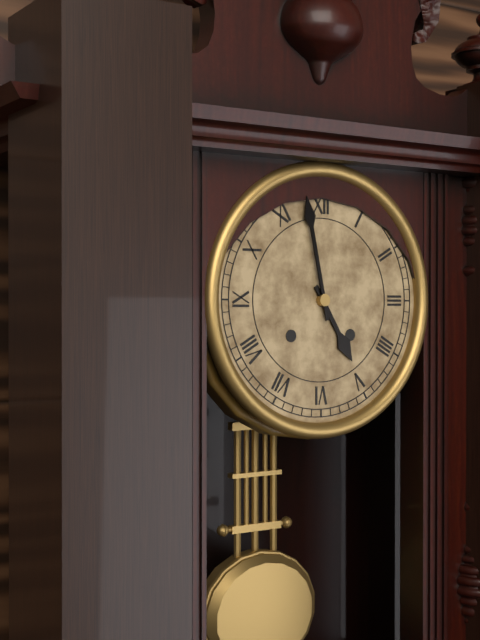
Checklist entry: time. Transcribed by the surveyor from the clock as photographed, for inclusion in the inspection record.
4:58
